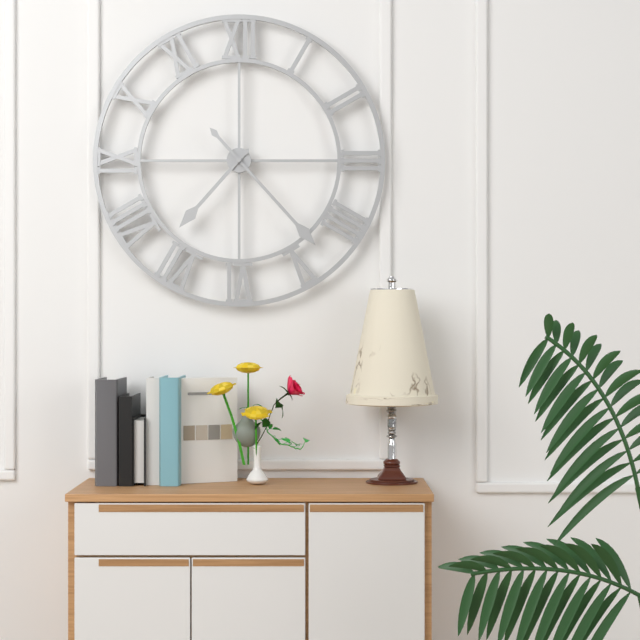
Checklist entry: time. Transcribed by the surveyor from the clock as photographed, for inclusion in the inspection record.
7:23
